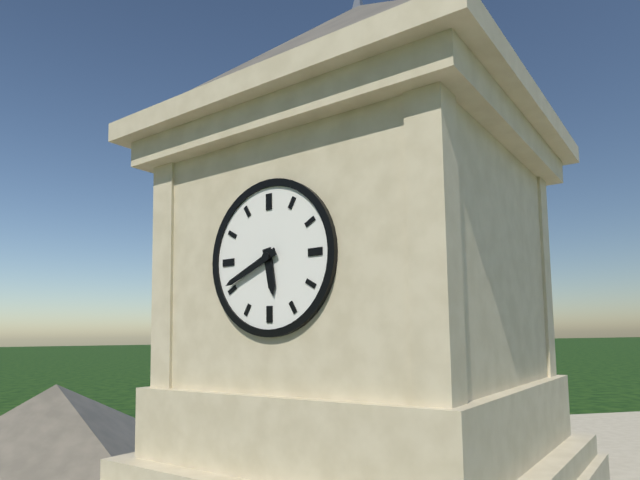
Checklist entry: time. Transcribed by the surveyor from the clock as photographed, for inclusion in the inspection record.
5:41
